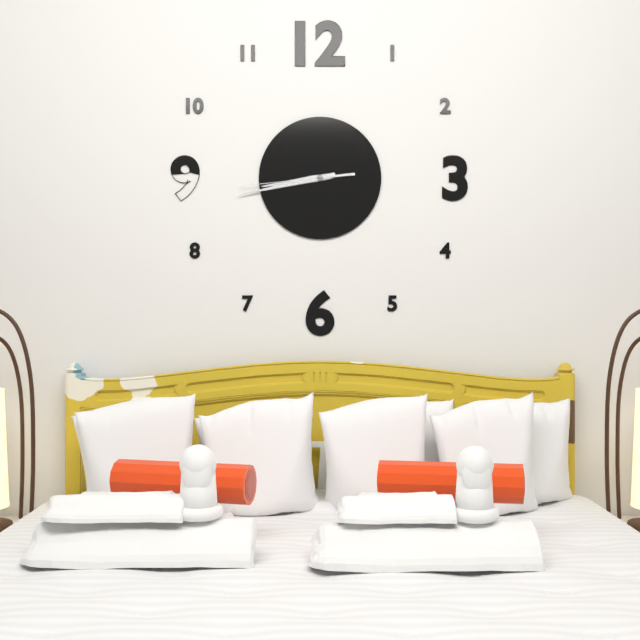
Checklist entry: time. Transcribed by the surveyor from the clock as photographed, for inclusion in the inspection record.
8:43:44
